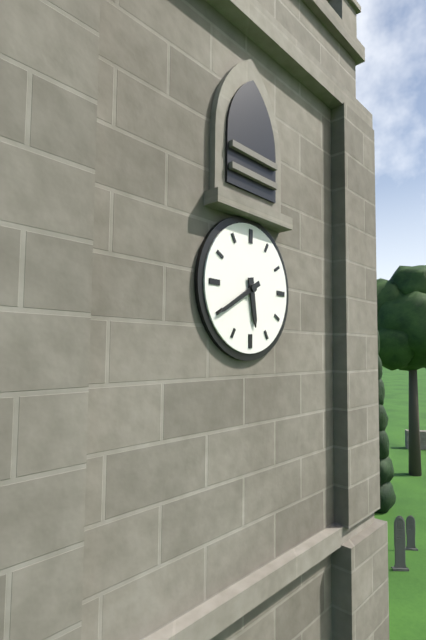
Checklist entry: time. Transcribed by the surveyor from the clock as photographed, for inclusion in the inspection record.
5:40
